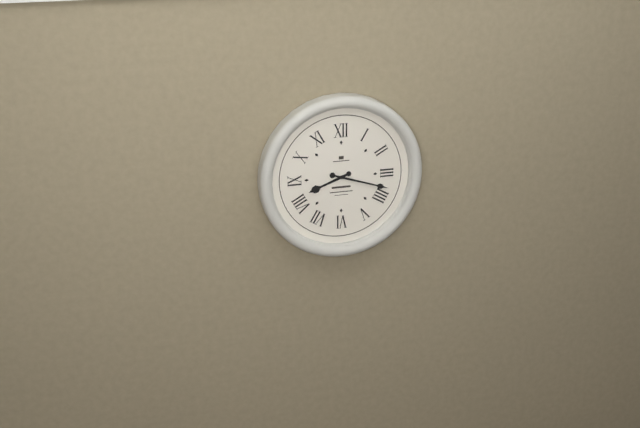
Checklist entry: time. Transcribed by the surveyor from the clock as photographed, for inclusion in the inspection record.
8:18
